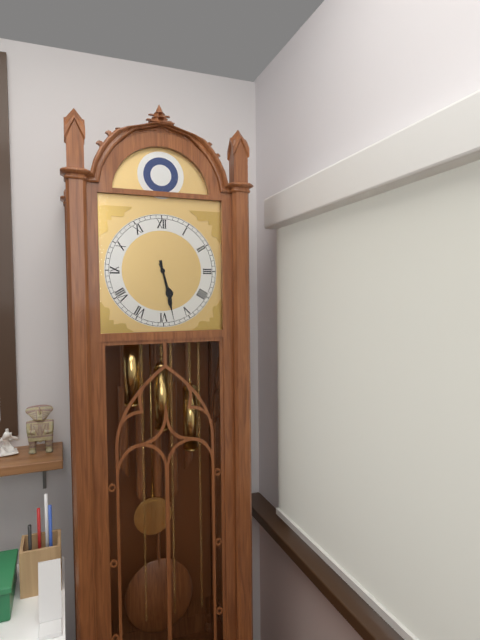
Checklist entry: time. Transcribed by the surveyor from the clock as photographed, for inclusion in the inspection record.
5:28
